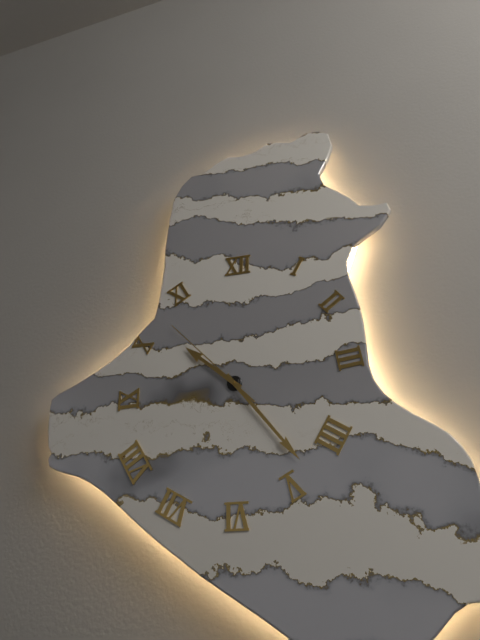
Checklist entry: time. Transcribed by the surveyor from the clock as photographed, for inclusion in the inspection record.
10:24:53
